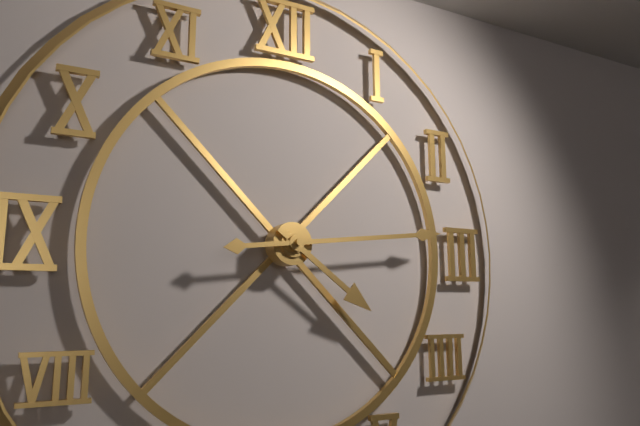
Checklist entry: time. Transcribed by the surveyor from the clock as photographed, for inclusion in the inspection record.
4:14
